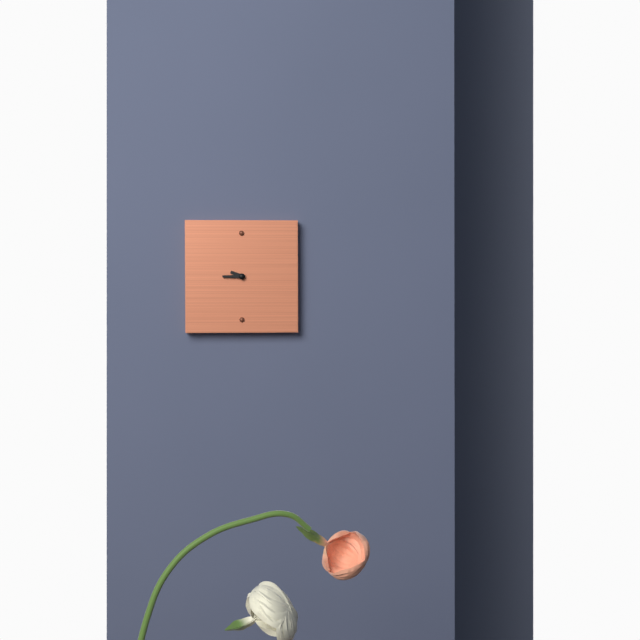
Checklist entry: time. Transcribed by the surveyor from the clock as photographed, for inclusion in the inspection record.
9:45
